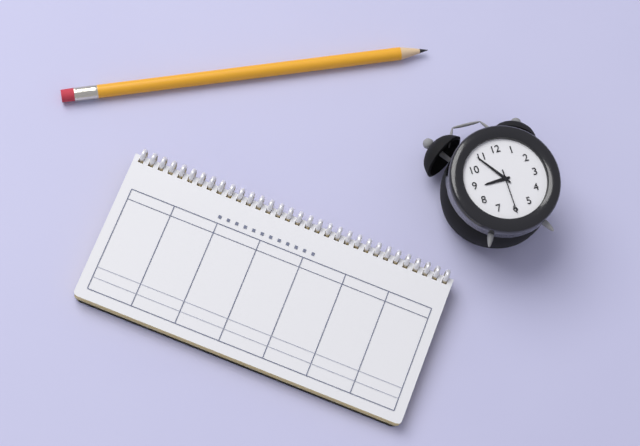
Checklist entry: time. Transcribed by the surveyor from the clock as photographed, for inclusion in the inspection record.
8:54
